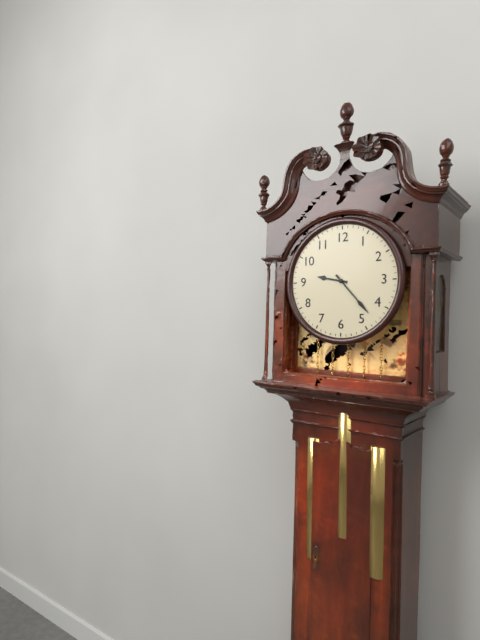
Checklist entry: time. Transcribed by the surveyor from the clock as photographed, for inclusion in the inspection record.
9:23
